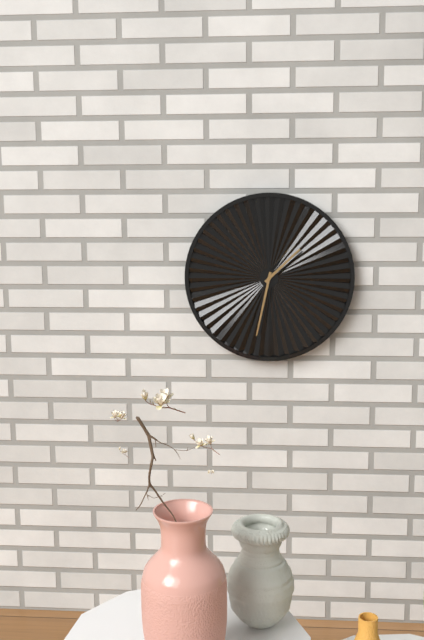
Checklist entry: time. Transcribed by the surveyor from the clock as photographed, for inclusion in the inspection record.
1:32
